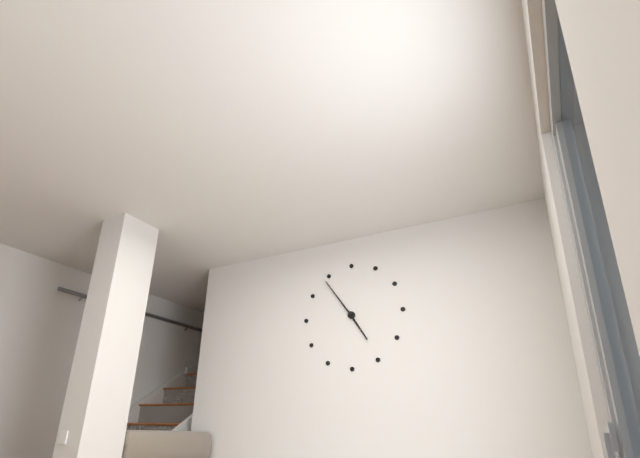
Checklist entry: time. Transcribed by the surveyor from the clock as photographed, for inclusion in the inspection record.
4:54
